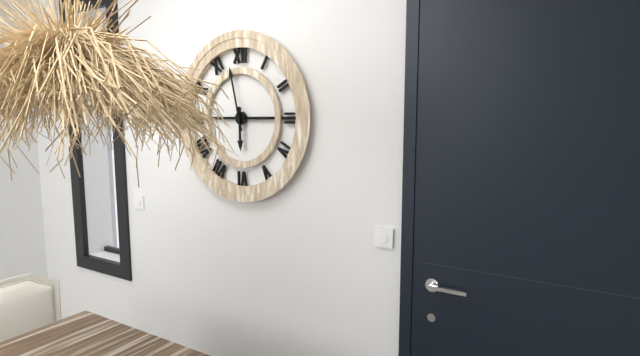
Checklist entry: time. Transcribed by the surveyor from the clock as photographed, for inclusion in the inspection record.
5:58
